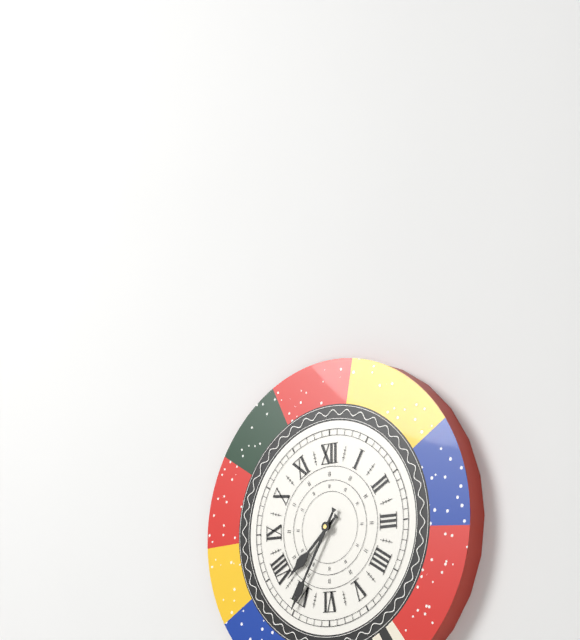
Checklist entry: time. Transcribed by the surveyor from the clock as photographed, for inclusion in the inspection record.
7:35
